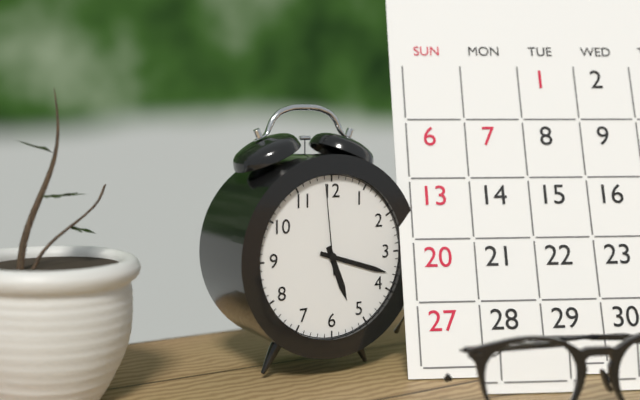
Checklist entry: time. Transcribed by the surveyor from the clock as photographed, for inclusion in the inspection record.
5:18:59
